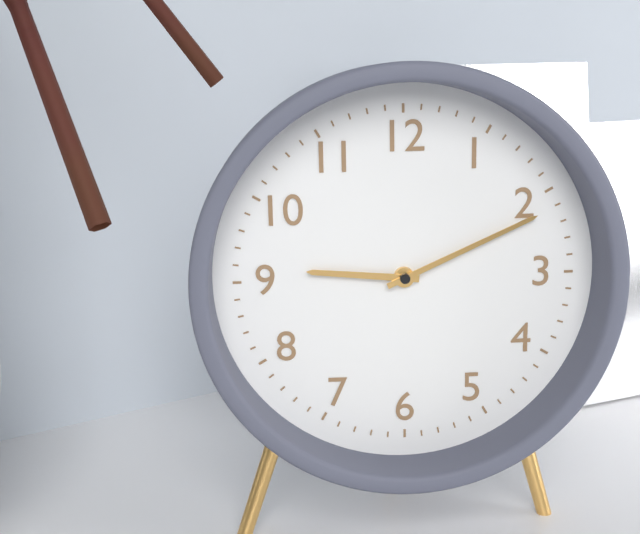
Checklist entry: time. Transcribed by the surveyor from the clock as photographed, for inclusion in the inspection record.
9:11
